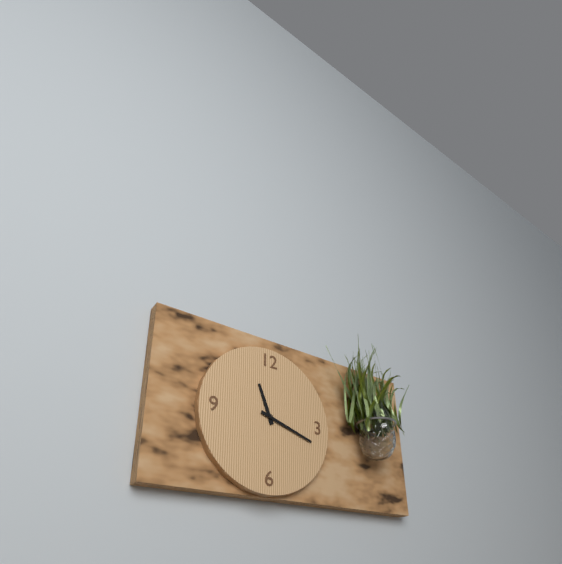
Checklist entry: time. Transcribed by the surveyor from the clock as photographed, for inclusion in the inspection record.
11:18
